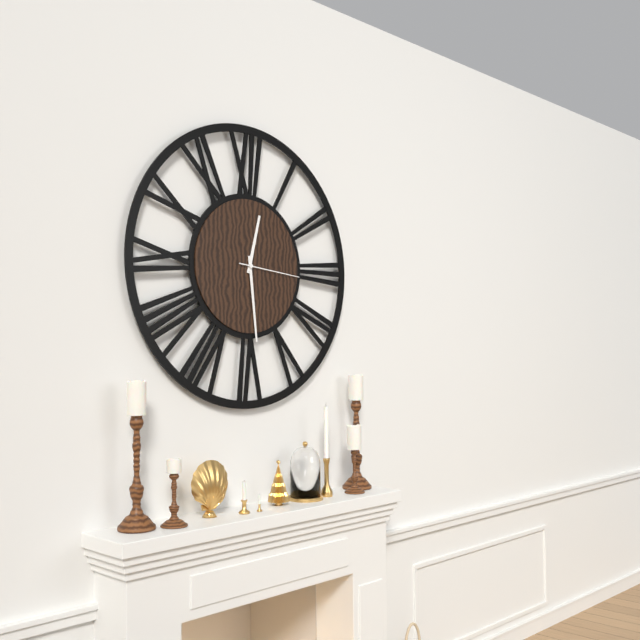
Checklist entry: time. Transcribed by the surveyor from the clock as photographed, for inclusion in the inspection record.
12:29:16
